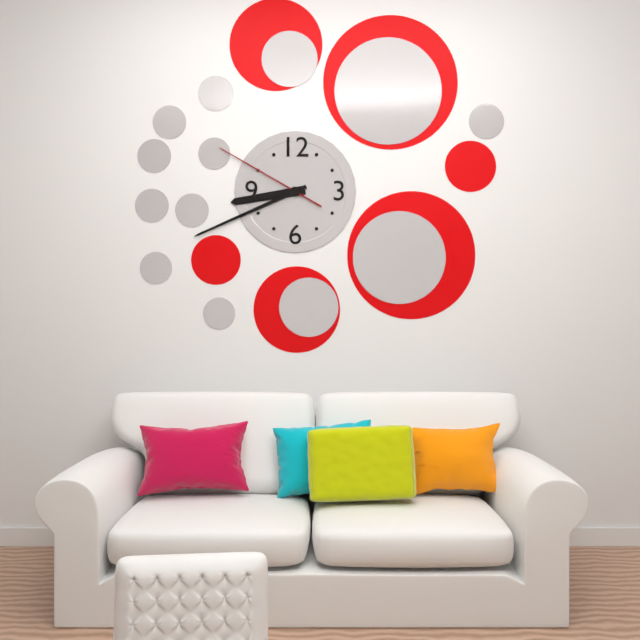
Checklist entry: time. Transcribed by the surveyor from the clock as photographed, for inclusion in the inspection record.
8:41:50
